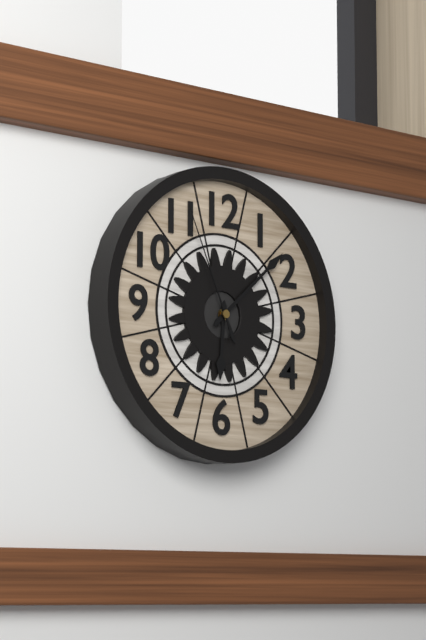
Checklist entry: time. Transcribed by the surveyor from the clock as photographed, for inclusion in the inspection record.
6:08:56
